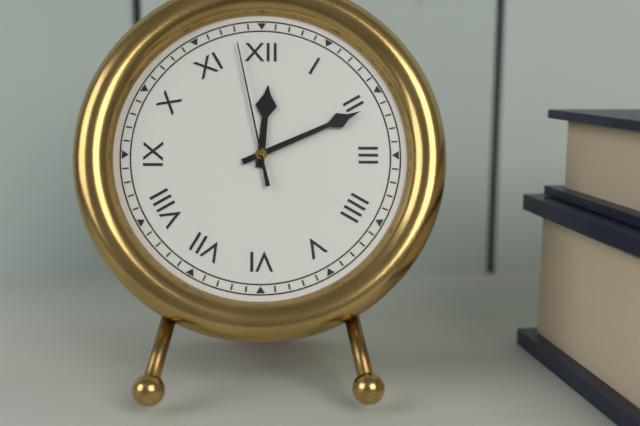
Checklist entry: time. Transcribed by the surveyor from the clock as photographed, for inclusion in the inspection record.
12:11:58
